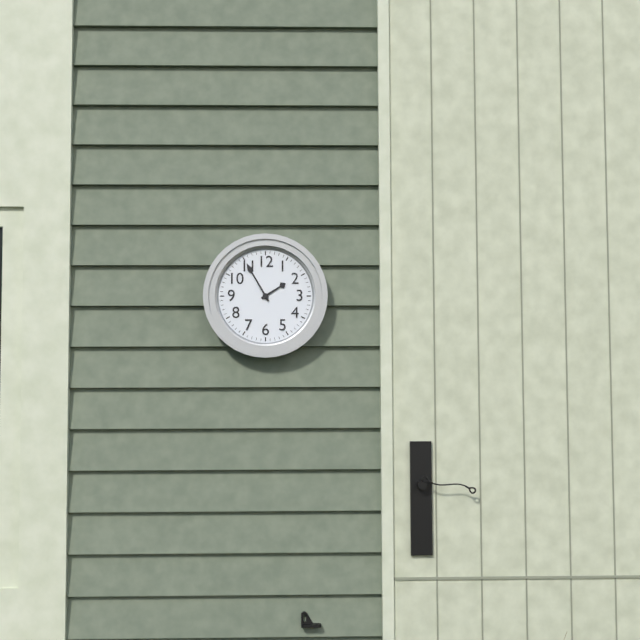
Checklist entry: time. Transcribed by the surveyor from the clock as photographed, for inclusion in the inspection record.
1:55
